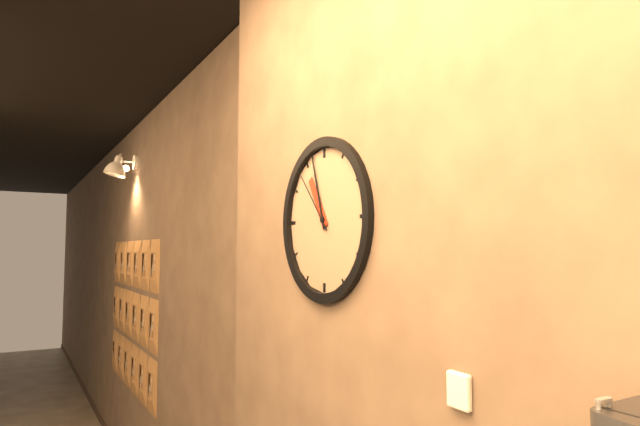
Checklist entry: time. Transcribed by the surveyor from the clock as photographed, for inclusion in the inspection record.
10:57:53
